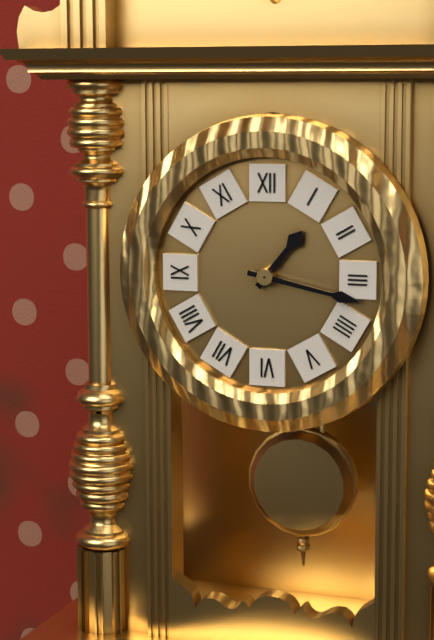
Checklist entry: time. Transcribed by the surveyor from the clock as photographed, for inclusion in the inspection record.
1:17
